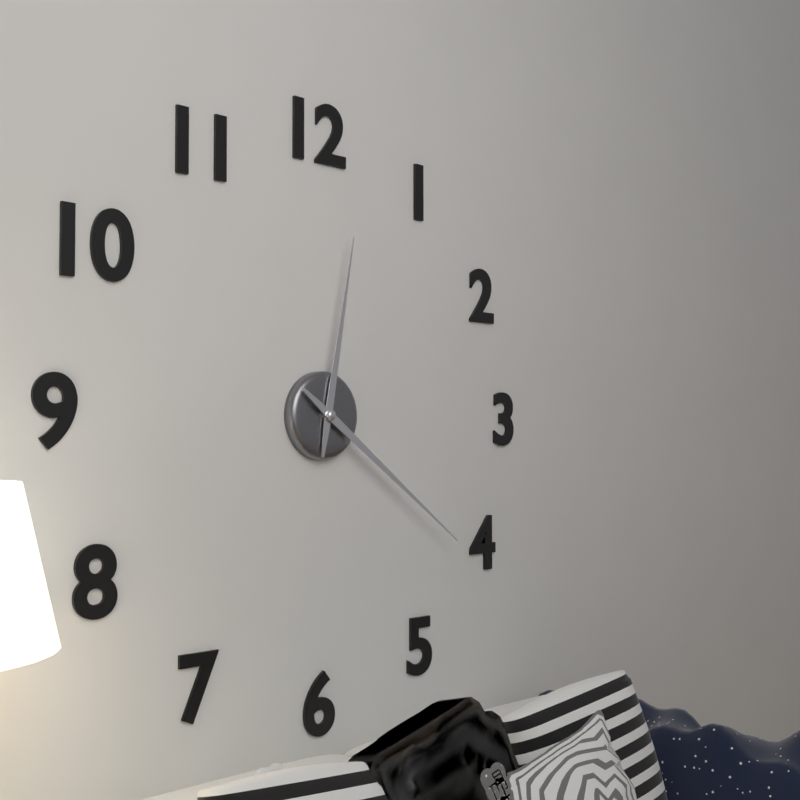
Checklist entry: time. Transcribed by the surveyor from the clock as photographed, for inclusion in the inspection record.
12:21
